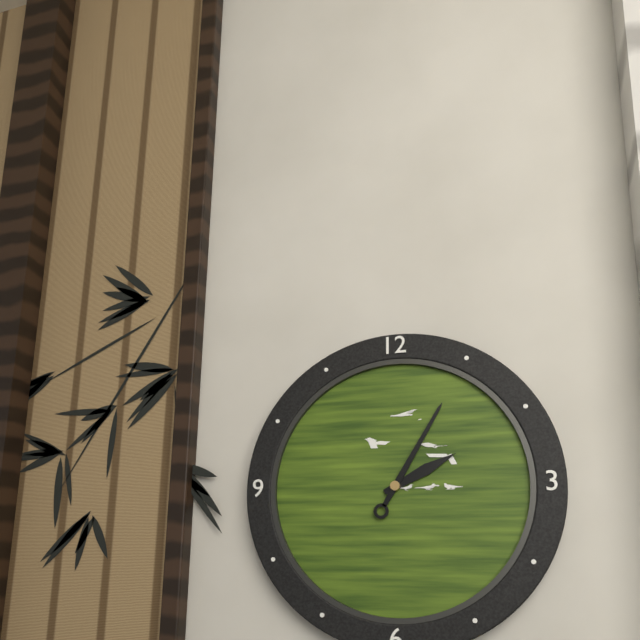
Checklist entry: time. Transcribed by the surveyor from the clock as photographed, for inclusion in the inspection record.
2:05
